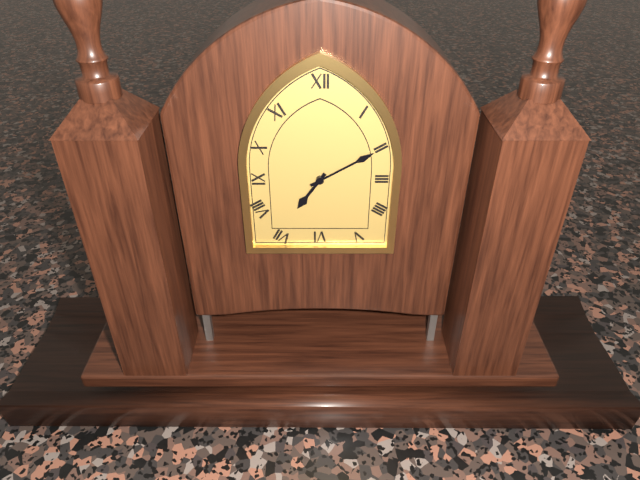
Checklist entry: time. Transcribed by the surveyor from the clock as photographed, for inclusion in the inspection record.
7:10
